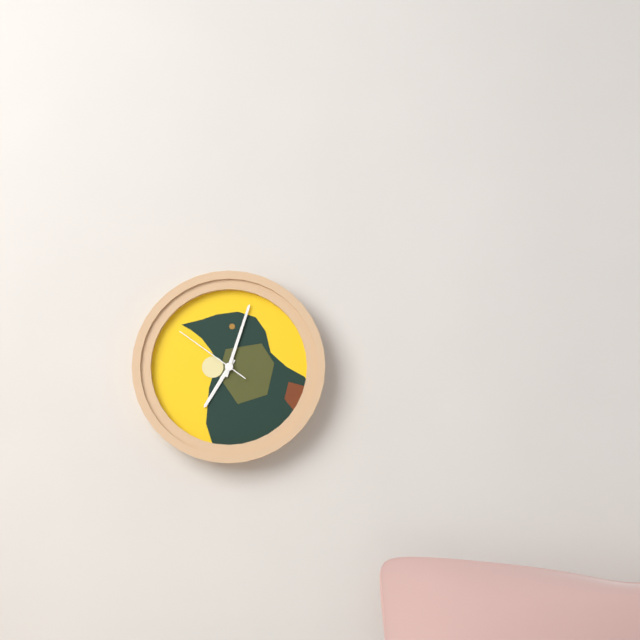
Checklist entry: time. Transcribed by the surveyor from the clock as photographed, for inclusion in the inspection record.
7:03:51
